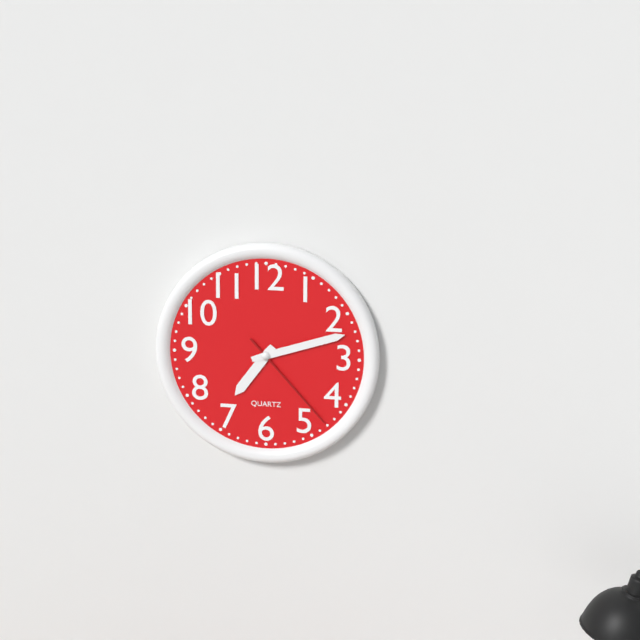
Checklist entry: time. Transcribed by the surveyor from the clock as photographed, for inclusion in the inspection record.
7:12:23
